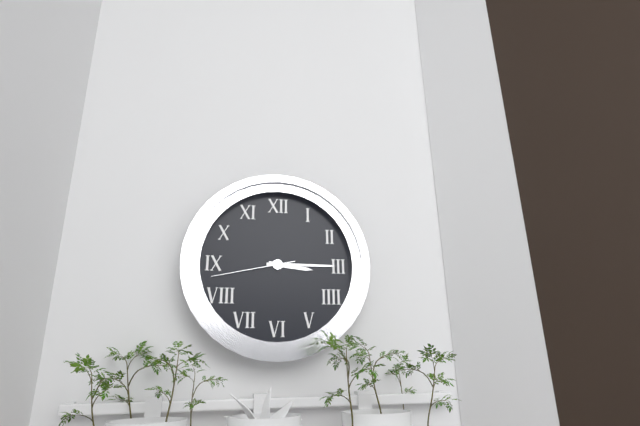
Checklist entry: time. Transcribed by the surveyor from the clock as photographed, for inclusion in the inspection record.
3:15:43
